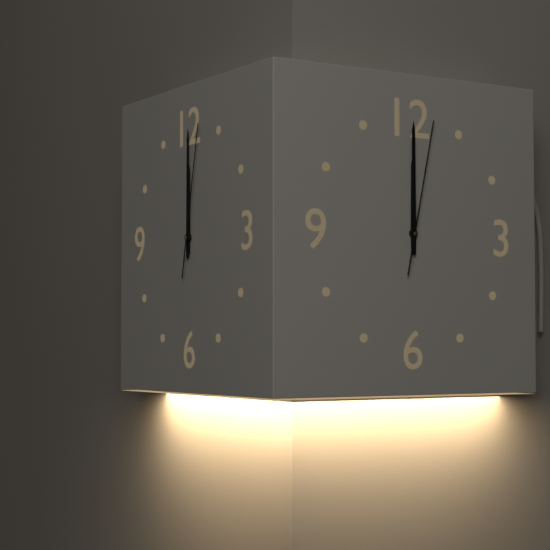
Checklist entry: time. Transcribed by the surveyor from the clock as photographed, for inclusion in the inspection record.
12:00:02
